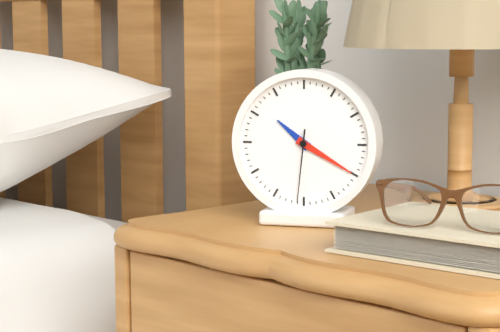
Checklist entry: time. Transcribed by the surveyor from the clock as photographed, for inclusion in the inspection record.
10:20:31
